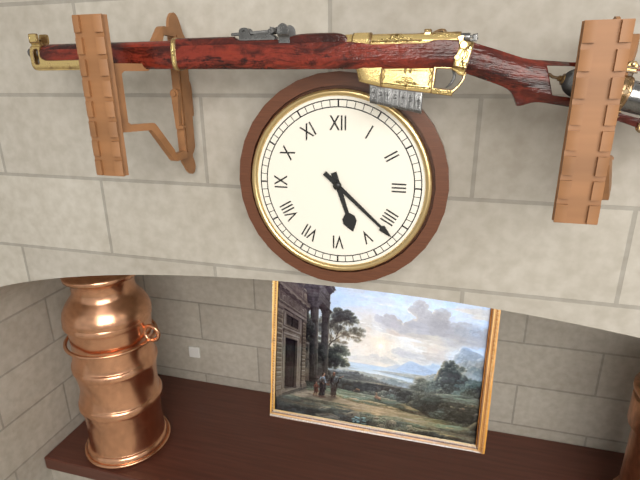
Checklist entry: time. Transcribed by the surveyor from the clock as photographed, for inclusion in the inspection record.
5:22
